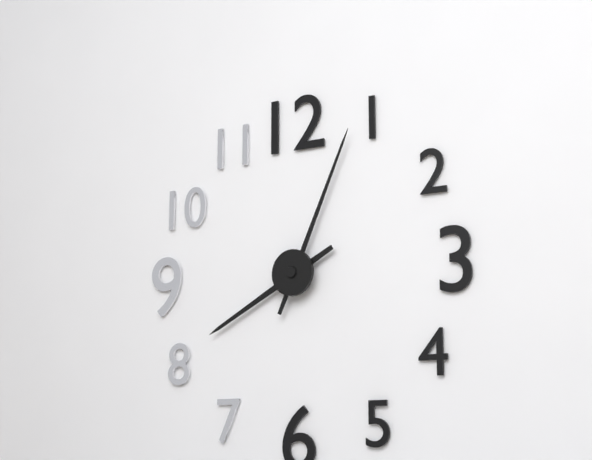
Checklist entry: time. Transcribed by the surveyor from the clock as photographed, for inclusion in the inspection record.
8:04
